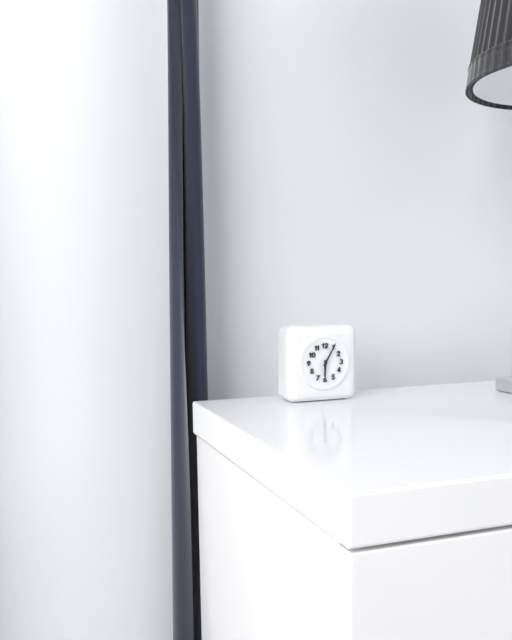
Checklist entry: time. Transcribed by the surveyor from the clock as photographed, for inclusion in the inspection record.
6:05
